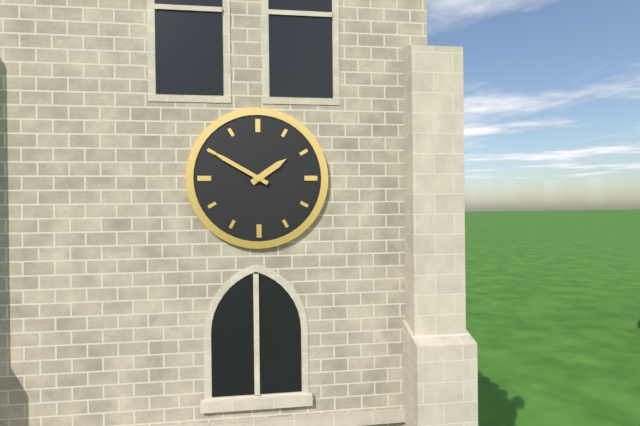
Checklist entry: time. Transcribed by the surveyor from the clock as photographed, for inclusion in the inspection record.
1:50
